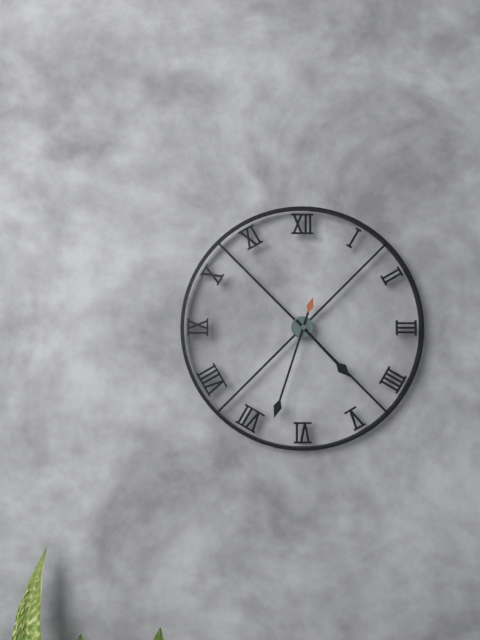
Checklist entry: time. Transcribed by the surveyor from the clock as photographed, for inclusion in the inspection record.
4:33
